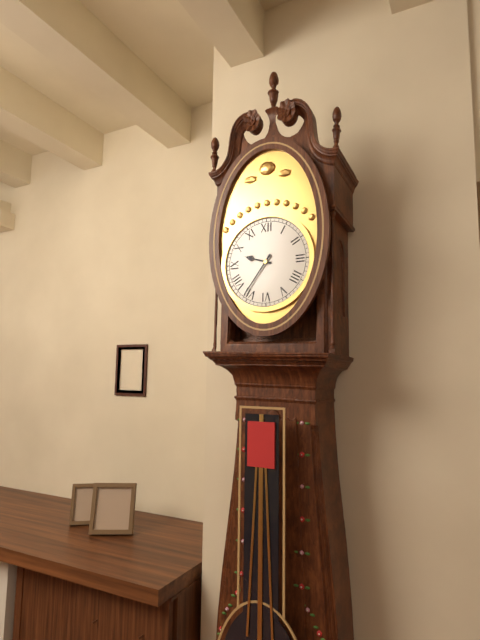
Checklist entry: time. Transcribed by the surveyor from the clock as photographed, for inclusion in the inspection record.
9:36
